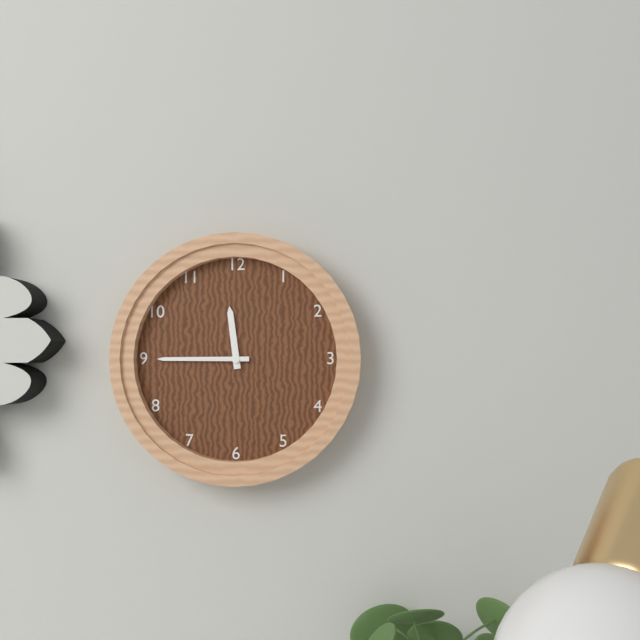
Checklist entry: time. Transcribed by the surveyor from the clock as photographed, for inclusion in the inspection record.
11:45
